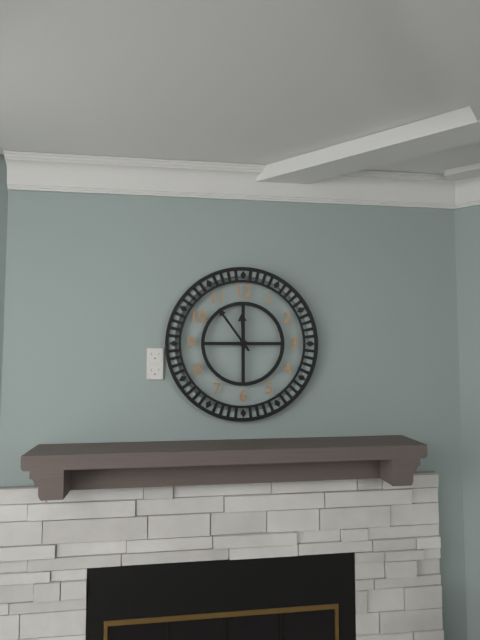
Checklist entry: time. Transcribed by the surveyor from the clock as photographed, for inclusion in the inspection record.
11:54
